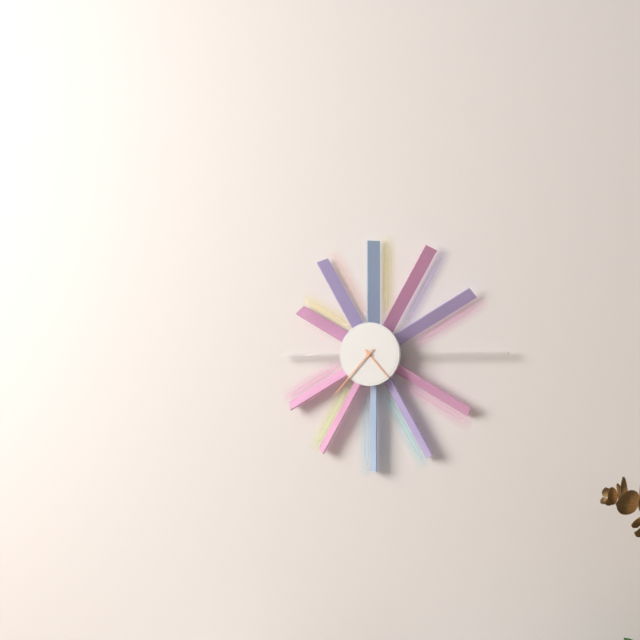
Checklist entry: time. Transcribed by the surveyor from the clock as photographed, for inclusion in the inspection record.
4:37
